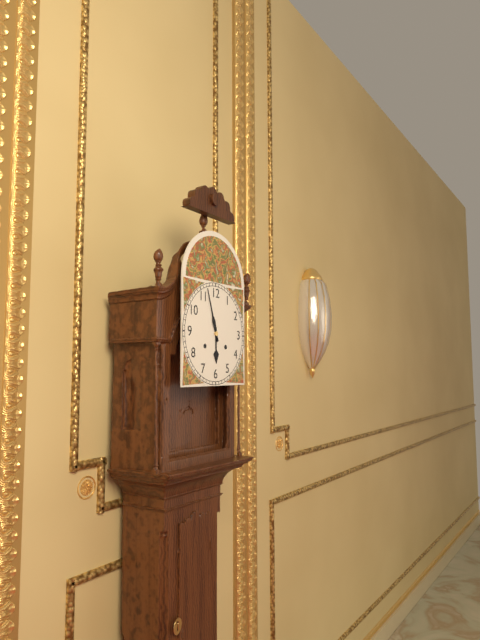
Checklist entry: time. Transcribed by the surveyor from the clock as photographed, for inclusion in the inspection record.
5:57
